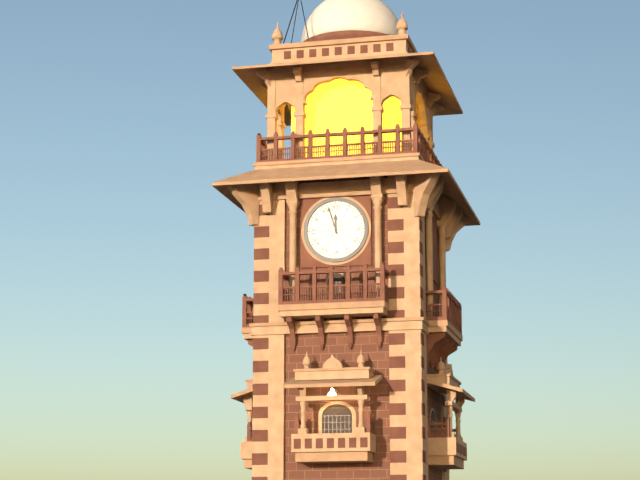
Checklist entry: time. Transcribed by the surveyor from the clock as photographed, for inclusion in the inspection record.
11:57
